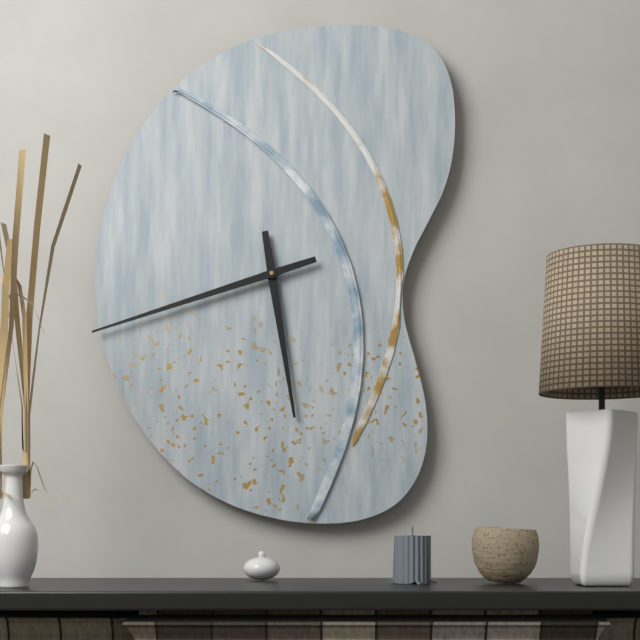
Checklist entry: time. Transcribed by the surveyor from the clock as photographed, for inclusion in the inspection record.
5:42
